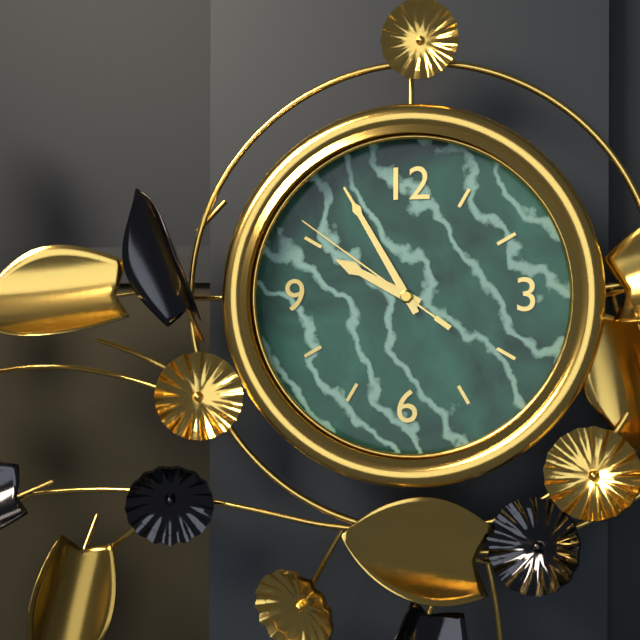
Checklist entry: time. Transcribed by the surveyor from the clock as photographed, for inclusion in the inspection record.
9:55:51
